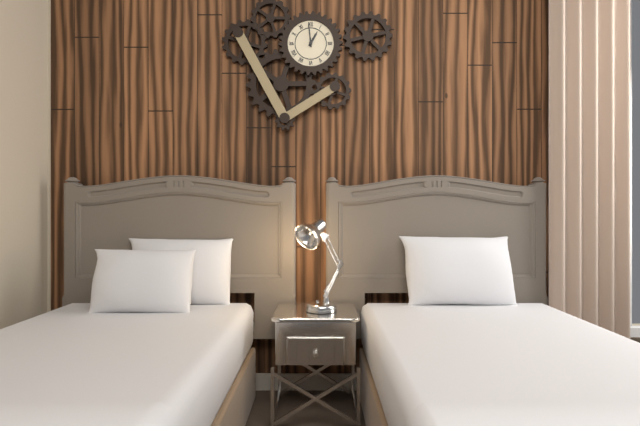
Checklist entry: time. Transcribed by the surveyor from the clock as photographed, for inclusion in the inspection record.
12:59
